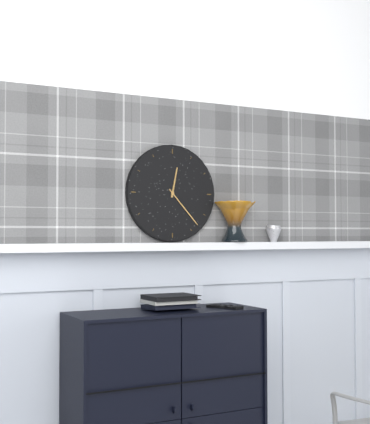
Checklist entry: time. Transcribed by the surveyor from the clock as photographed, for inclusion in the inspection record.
12:23
